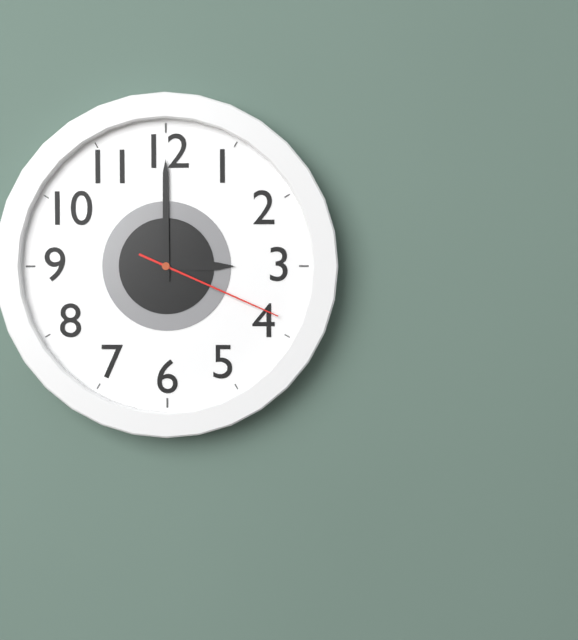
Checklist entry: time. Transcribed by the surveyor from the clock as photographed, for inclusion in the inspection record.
3:00:19
